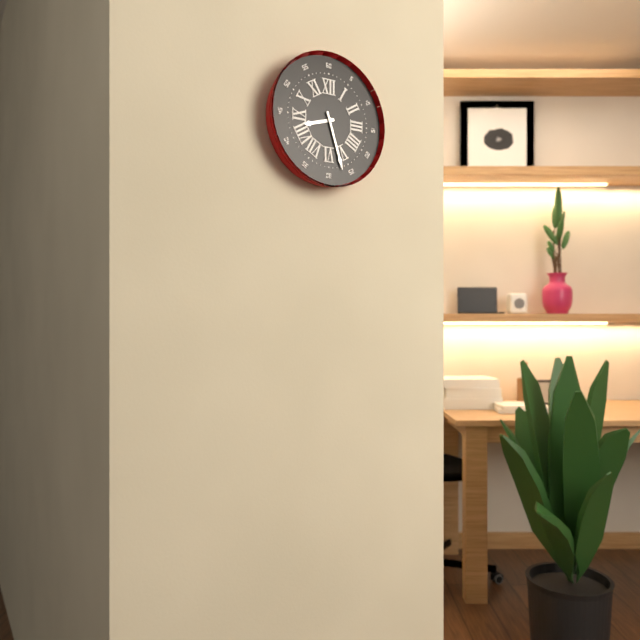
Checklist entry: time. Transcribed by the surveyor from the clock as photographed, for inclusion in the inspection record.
8:27
